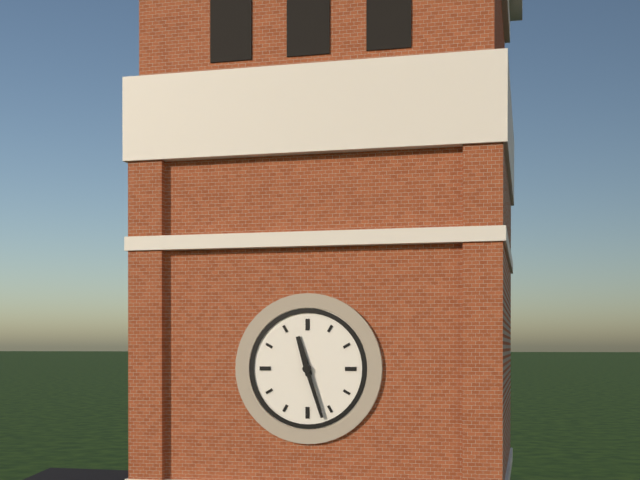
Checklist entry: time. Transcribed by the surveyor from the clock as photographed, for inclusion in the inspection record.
11:27
